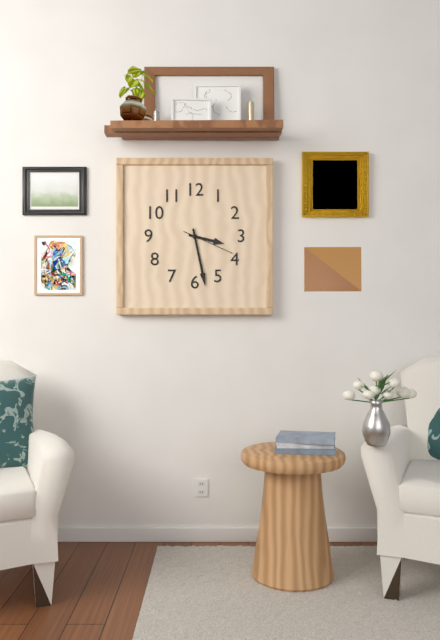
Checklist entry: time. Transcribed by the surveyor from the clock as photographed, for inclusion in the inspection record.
3:28:19
